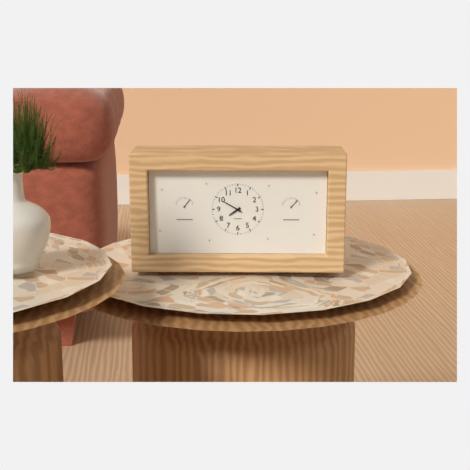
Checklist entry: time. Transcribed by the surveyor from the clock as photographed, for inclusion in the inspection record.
7:50
